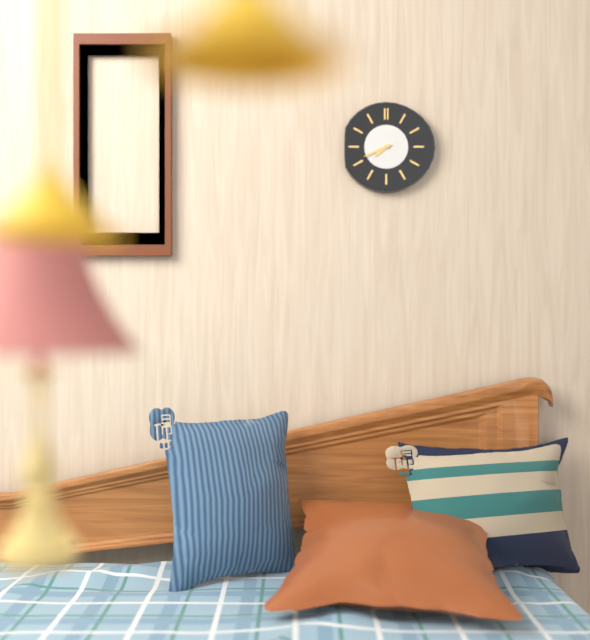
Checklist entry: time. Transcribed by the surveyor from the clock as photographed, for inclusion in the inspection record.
7:41
